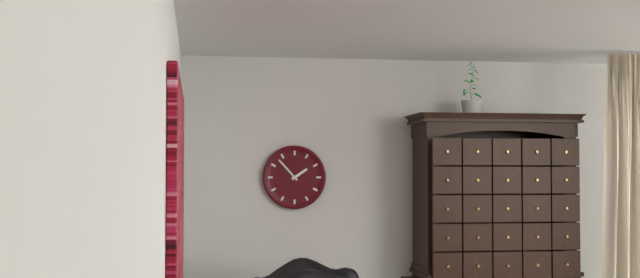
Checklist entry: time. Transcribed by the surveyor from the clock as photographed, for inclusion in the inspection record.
1:53
